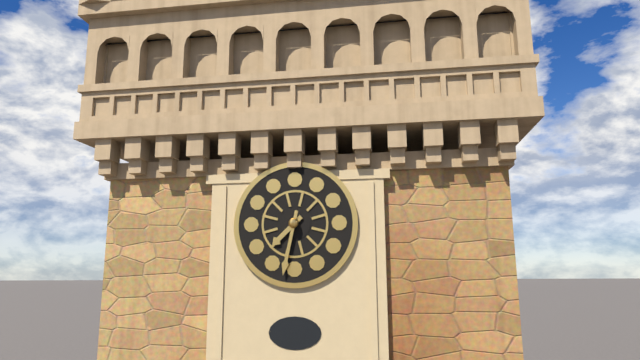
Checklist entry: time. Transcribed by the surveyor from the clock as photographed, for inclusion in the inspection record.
7:32
